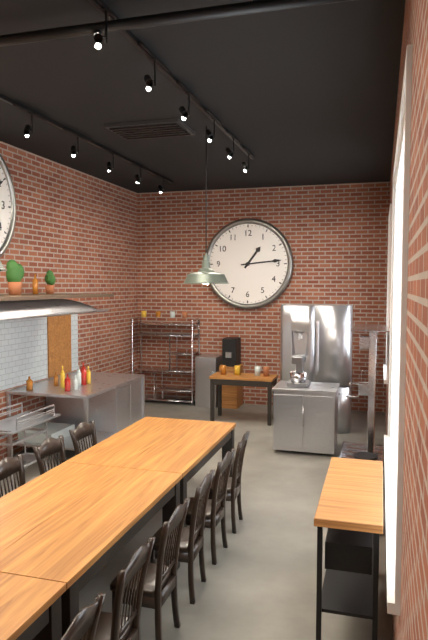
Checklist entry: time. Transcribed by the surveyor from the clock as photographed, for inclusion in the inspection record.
1:14
